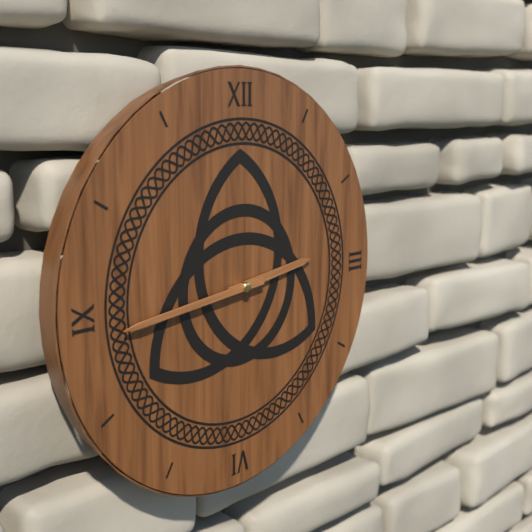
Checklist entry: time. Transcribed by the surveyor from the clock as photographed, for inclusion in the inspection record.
2:44
